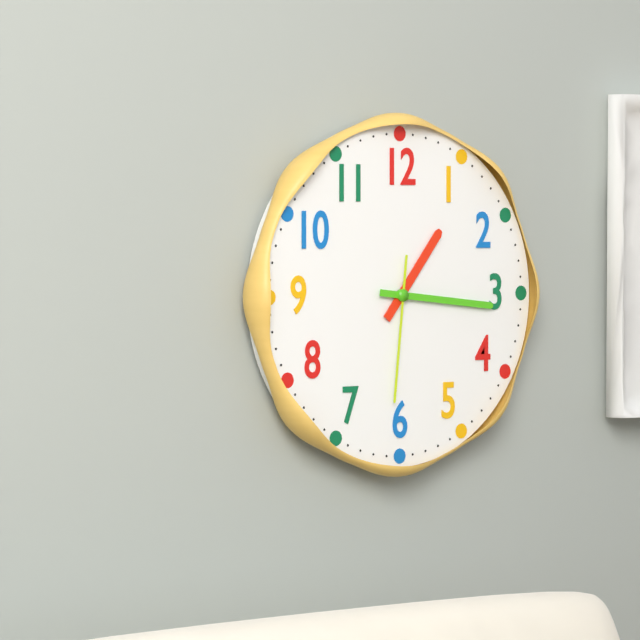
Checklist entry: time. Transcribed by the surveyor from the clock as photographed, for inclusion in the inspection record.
1:16:31
